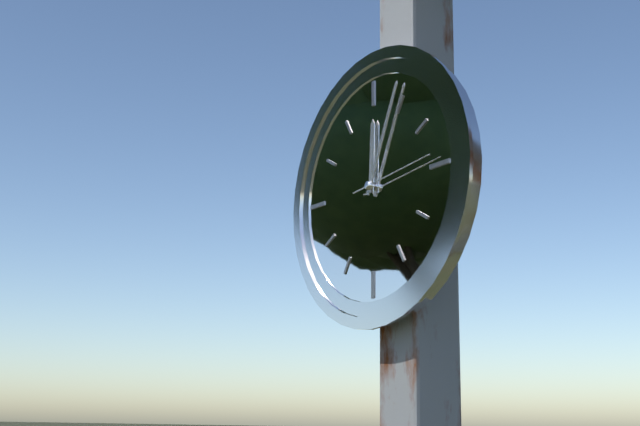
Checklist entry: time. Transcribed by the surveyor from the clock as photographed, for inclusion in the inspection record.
12:04:14
